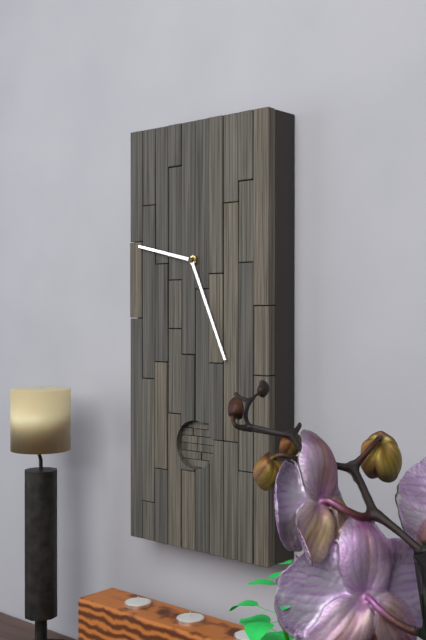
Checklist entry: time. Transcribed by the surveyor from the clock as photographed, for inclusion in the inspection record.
9:26
